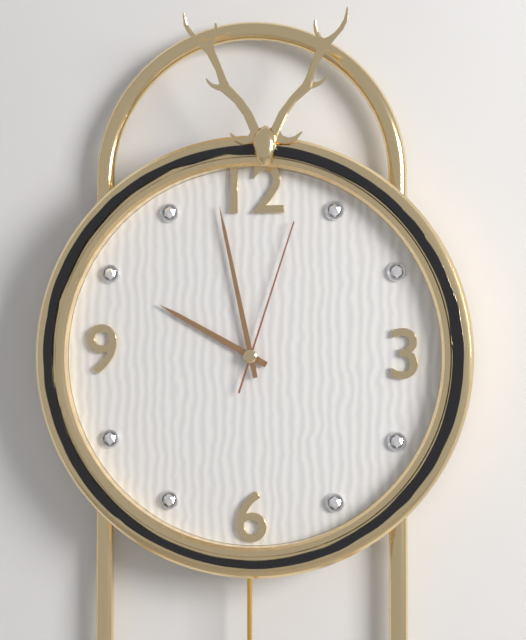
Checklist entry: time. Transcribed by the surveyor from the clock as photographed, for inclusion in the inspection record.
9:58:03
